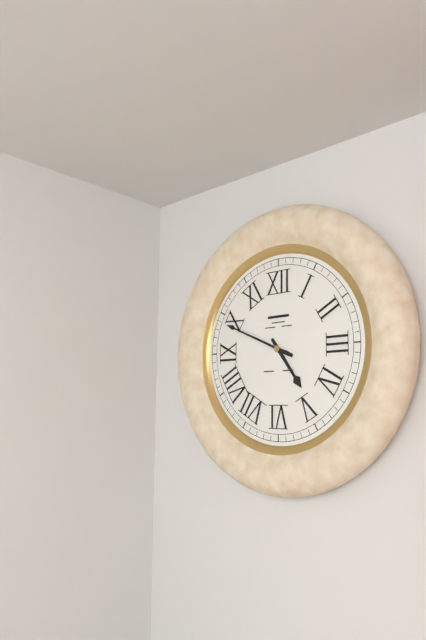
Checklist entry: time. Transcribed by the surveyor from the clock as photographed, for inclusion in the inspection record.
4:49
